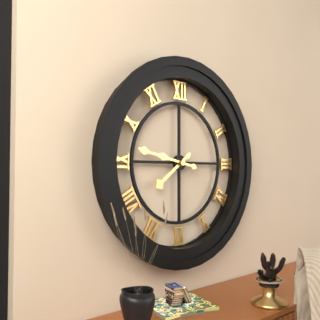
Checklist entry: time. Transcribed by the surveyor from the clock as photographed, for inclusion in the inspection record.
7:47
